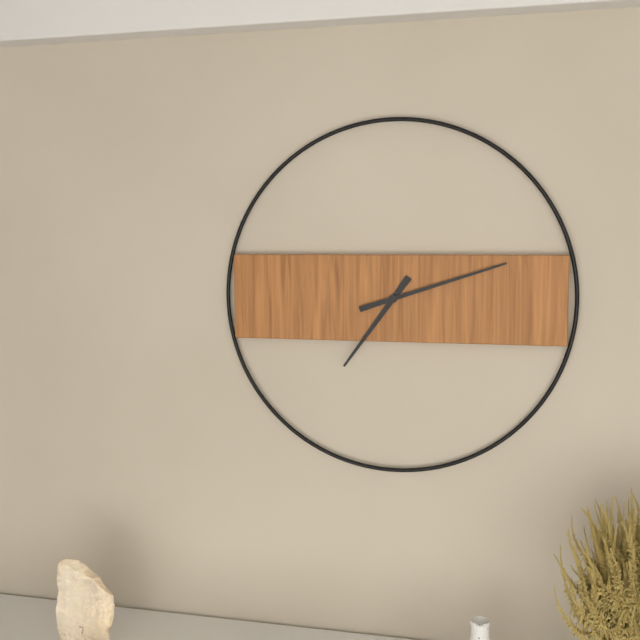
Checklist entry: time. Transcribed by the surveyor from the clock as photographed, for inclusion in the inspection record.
7:12
